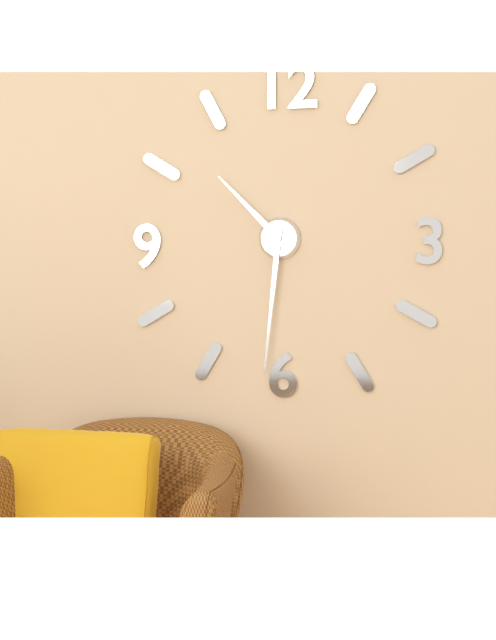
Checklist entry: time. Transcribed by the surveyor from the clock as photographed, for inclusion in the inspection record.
10:31
